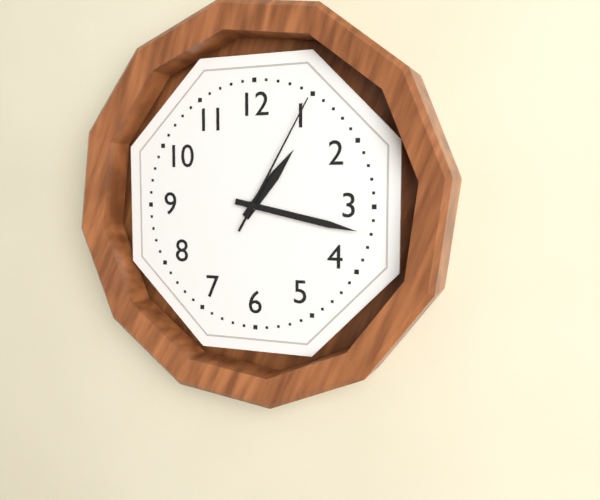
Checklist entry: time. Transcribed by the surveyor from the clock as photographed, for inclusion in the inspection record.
1:17:05
